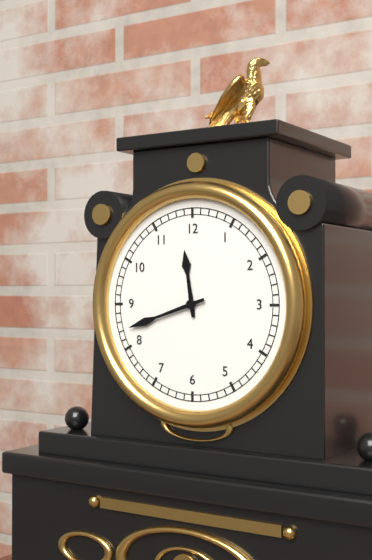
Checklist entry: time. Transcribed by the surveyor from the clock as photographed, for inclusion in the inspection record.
11:42
